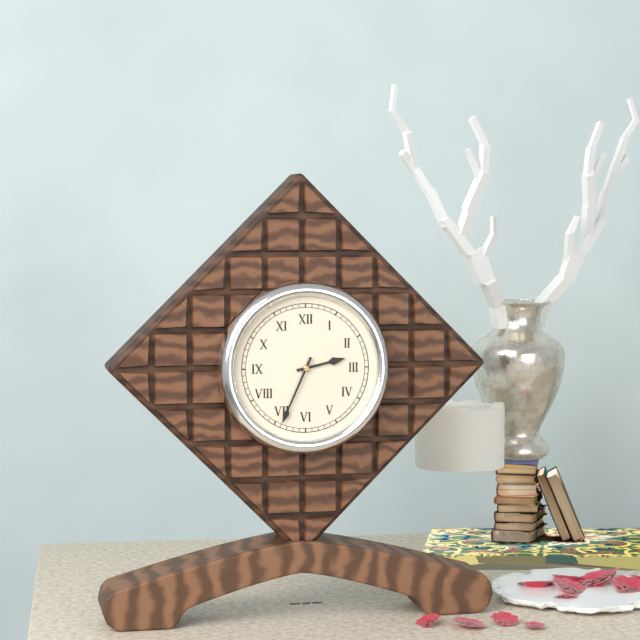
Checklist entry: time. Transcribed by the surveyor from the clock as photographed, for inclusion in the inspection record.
2:34
